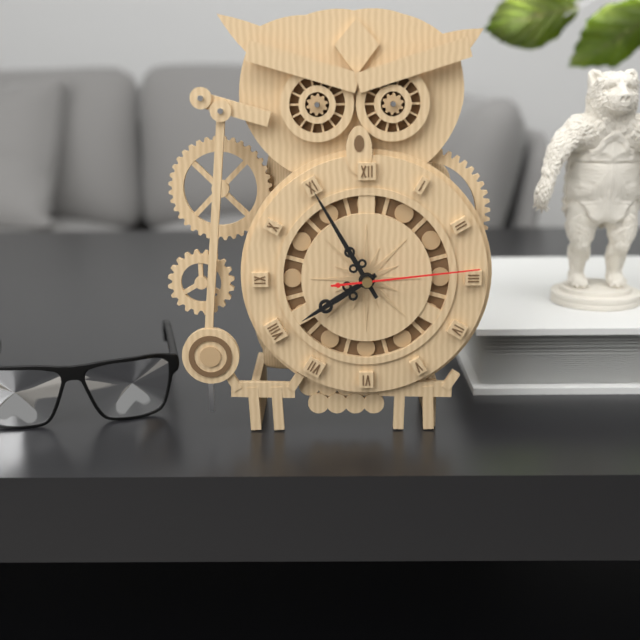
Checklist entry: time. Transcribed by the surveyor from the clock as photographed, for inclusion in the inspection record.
7:55:14
